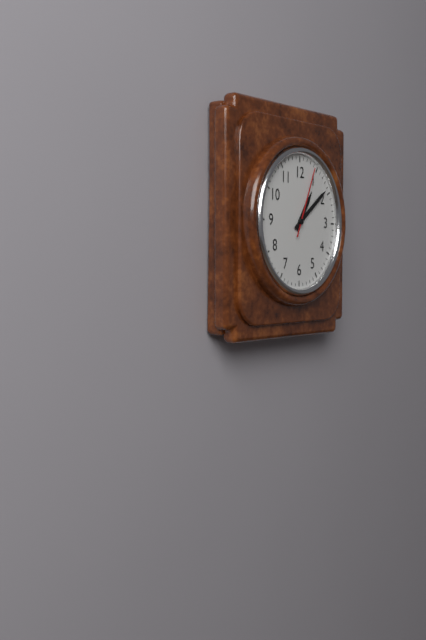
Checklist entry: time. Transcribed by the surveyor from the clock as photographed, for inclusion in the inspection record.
1:09:04
